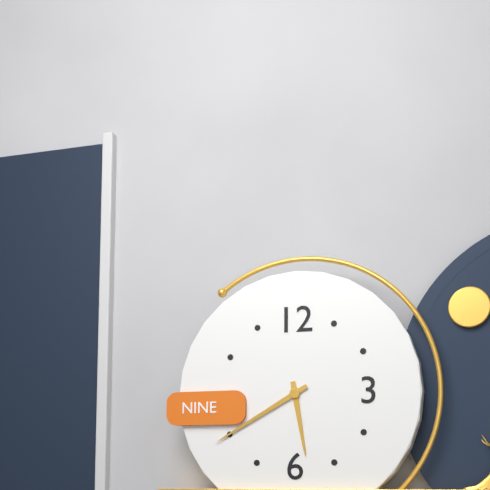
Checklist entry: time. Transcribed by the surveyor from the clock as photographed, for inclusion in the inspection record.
5:40
